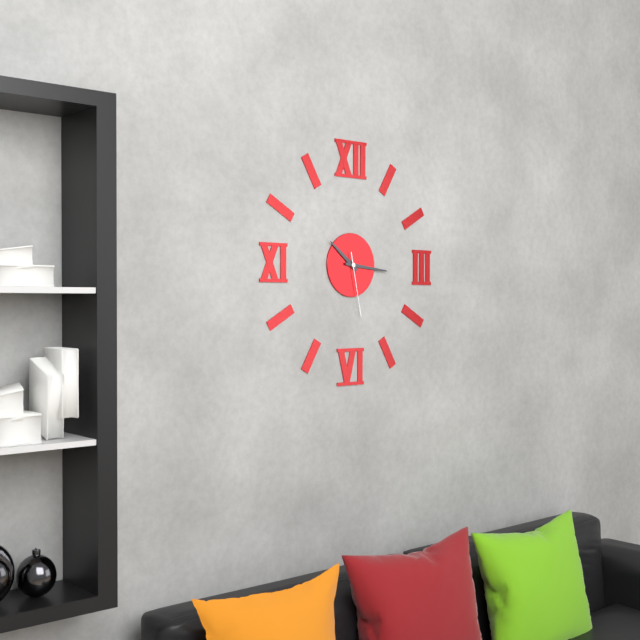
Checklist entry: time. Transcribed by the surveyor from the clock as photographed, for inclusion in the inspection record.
10:16:28
